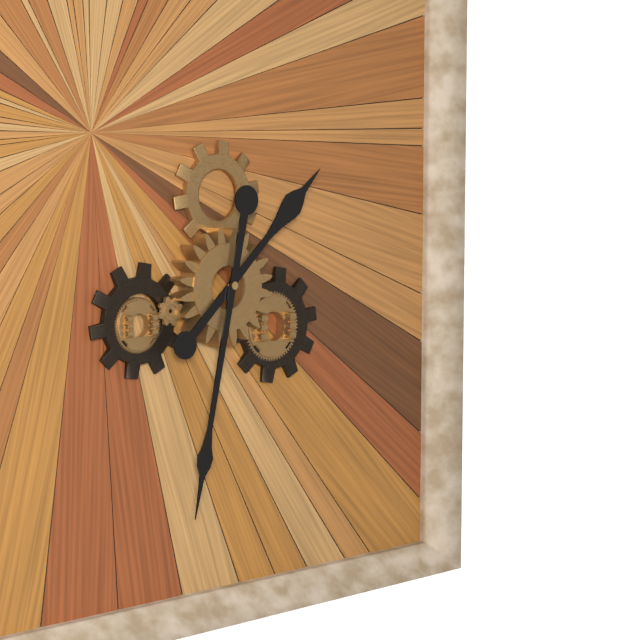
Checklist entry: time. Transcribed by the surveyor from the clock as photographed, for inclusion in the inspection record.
1:32
